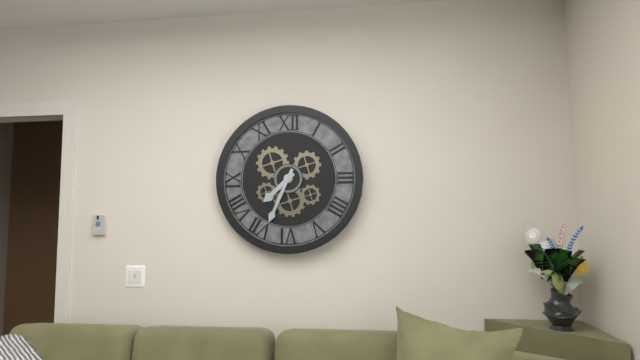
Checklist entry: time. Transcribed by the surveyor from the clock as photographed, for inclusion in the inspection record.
7:34
